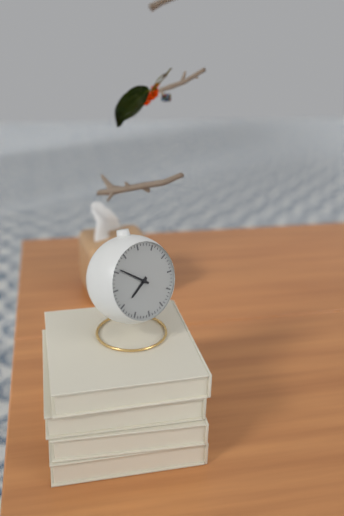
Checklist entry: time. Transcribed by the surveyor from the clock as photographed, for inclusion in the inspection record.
7:51
